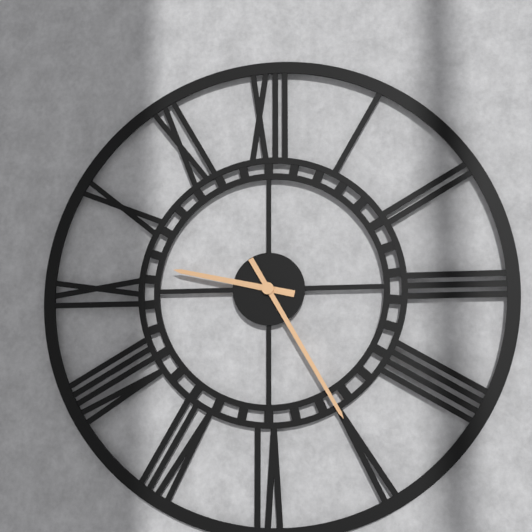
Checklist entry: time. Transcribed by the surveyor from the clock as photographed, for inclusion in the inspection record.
9:25
